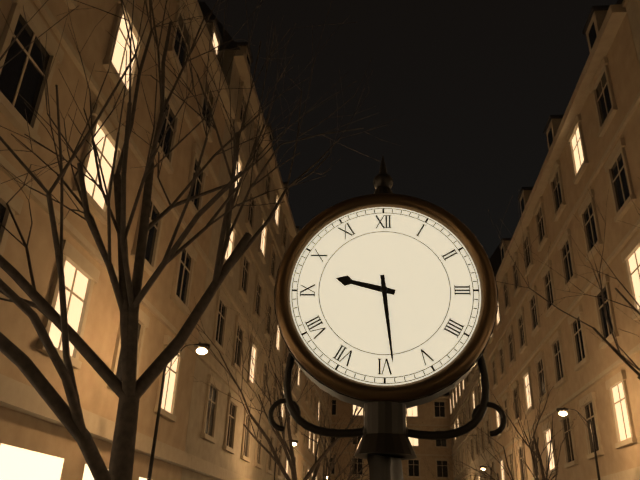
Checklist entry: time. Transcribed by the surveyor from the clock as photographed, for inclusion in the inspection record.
9:29
